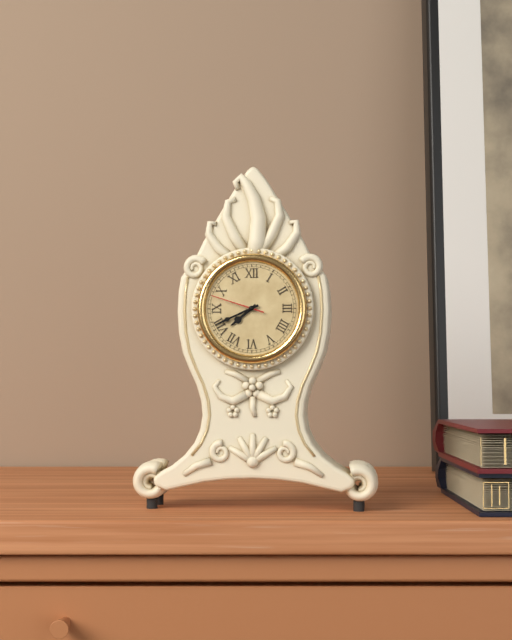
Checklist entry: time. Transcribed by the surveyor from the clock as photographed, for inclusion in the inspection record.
7:41:48
